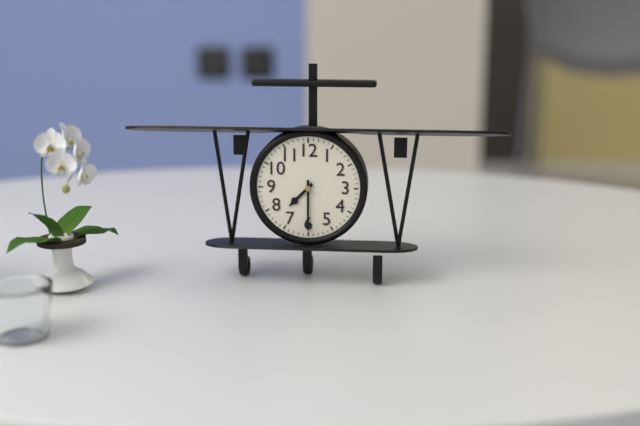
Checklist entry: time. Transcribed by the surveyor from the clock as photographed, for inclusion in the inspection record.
7:30
